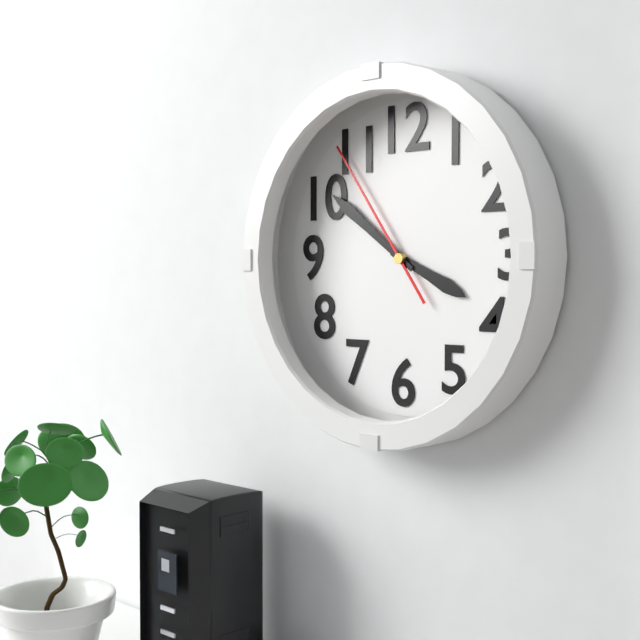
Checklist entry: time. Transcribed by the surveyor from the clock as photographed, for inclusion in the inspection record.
3:51:54
